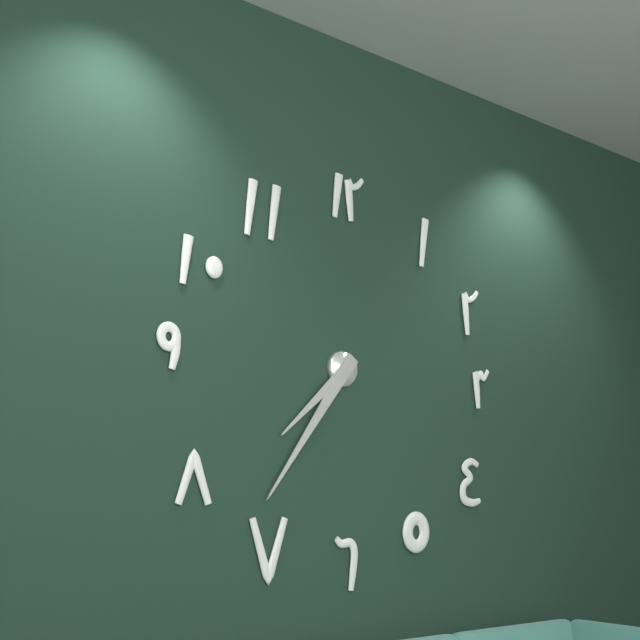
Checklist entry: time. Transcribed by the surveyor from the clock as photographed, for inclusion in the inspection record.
7:36
